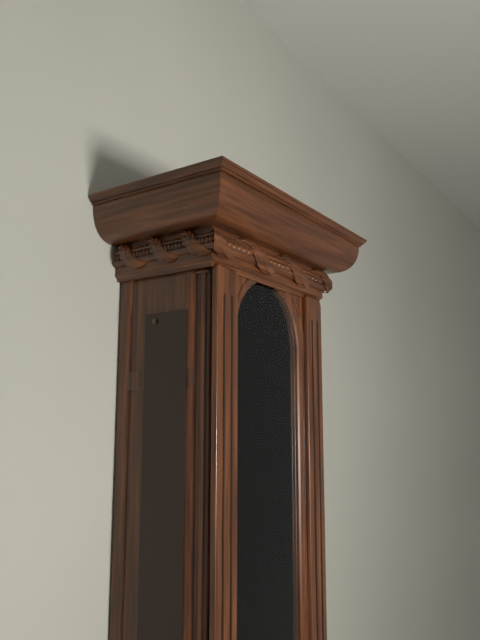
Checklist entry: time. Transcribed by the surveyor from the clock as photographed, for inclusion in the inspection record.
4:12
